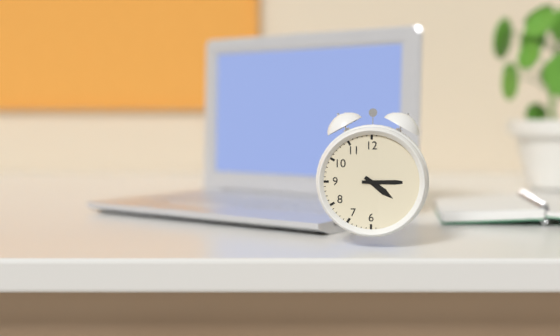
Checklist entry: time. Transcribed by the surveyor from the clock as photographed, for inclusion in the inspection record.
4:15
